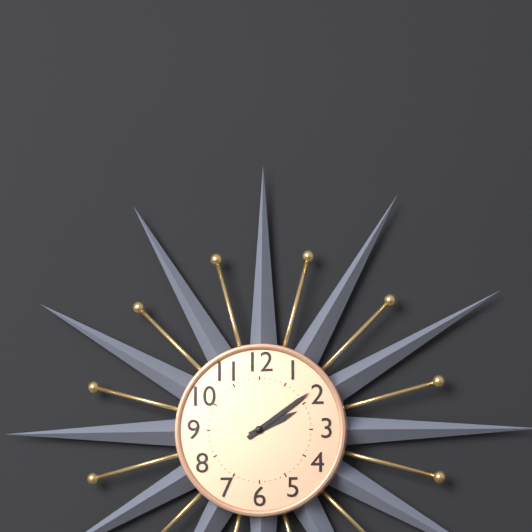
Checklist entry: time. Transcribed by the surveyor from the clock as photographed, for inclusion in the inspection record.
2:09
